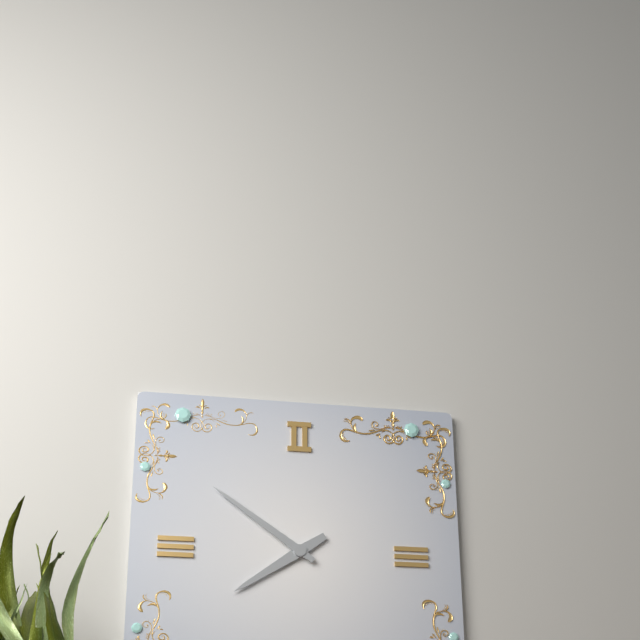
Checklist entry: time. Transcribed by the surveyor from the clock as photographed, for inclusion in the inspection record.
7:51
